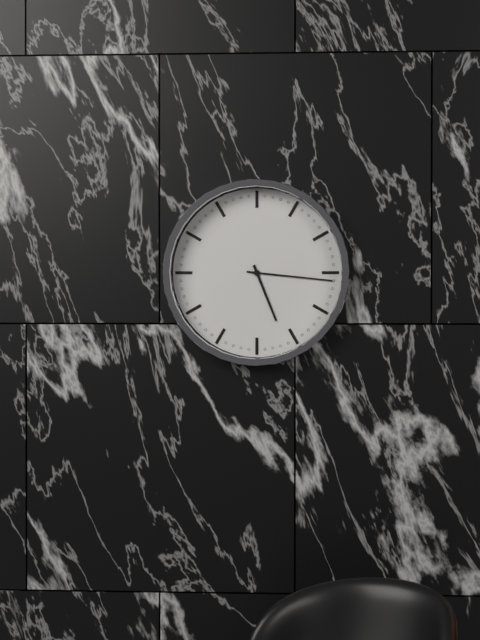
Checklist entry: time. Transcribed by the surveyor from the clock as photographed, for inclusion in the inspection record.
5:16
